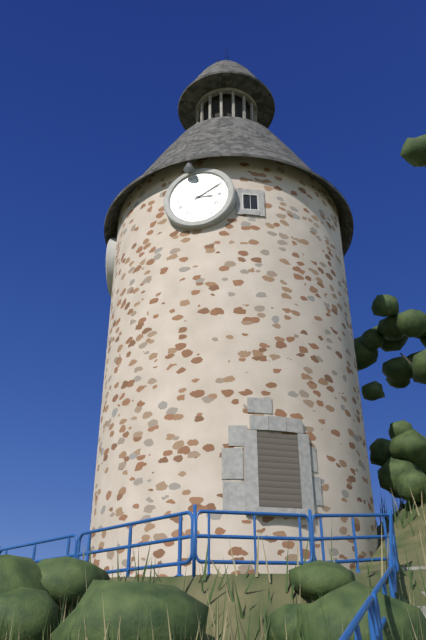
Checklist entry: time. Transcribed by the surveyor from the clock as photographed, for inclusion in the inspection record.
3:10
